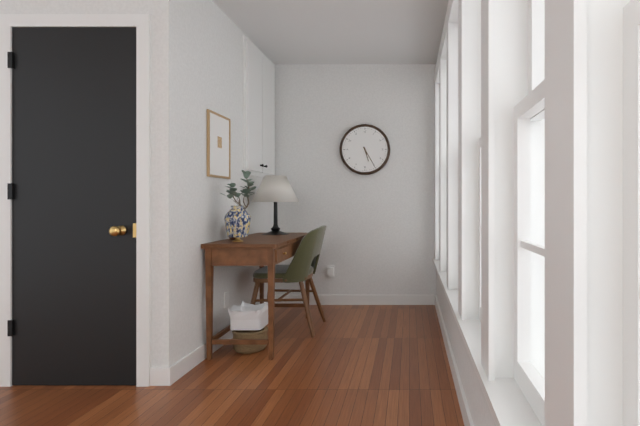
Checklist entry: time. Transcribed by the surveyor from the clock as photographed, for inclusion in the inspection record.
5:25
